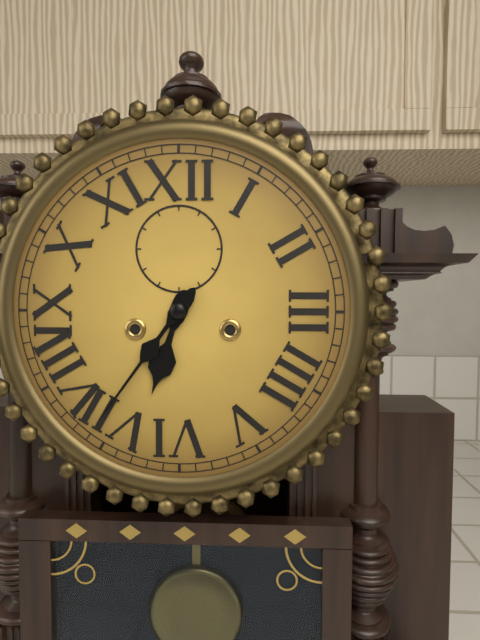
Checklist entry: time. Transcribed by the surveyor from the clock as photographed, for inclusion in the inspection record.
6:36
